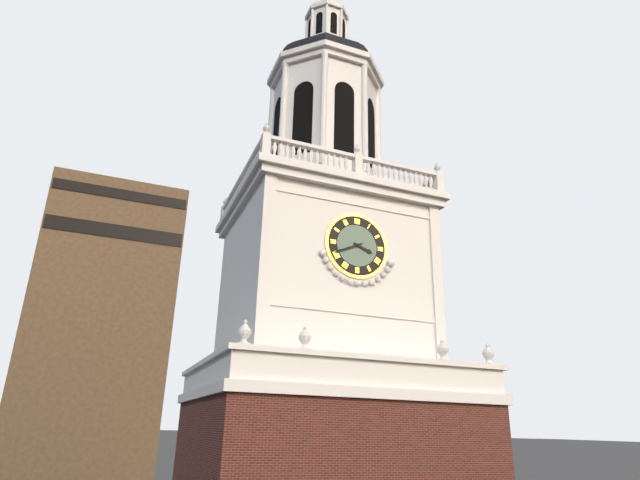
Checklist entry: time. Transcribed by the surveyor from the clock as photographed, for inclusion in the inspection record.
3:41
